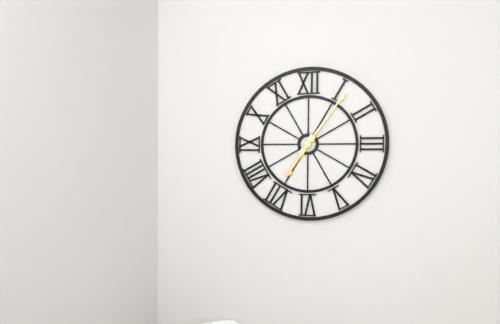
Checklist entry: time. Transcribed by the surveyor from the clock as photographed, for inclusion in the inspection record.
7:06
